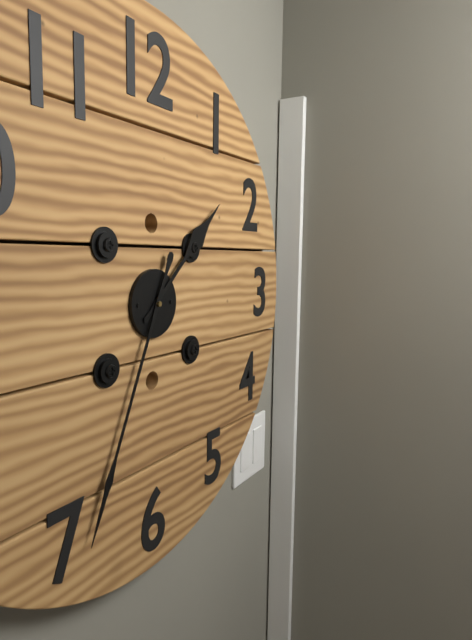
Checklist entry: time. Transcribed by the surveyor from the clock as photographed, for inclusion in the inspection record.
1:34
